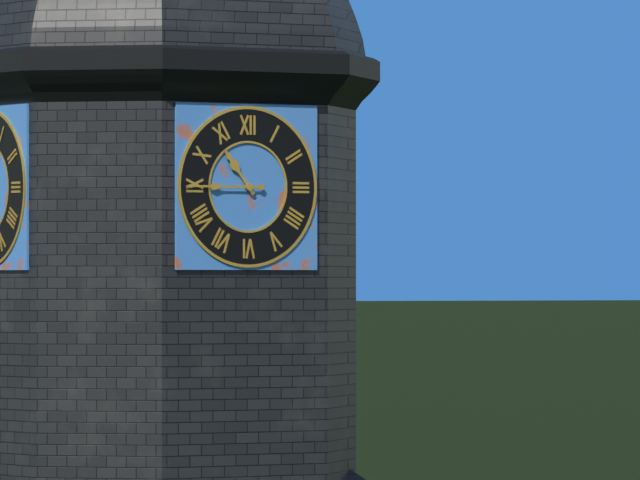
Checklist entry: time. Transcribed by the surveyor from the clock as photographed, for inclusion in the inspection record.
10:45
